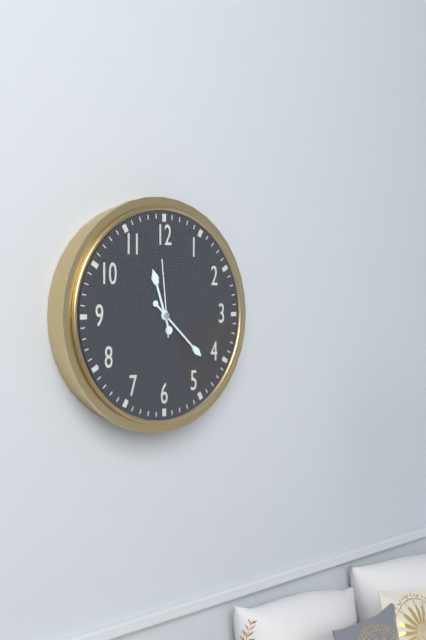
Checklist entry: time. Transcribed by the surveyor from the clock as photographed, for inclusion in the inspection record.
11:22:59
